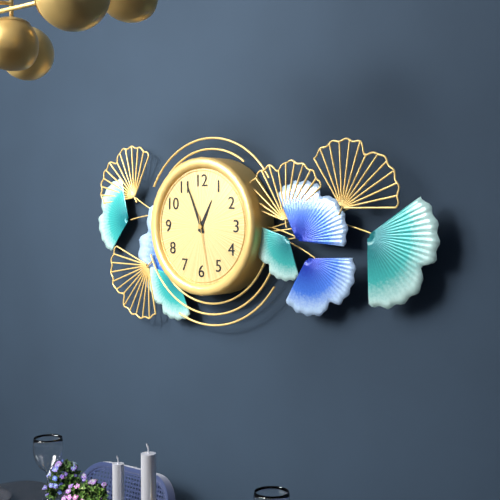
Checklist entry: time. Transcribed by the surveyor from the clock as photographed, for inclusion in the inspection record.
12:56:28
